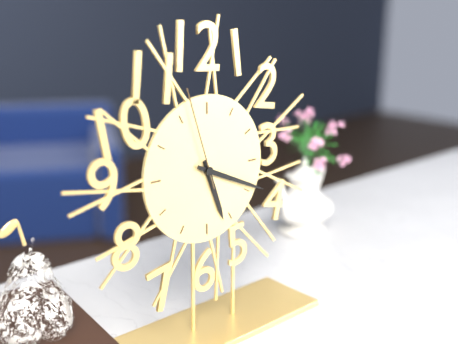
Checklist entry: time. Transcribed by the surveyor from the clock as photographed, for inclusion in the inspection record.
5:19:57
